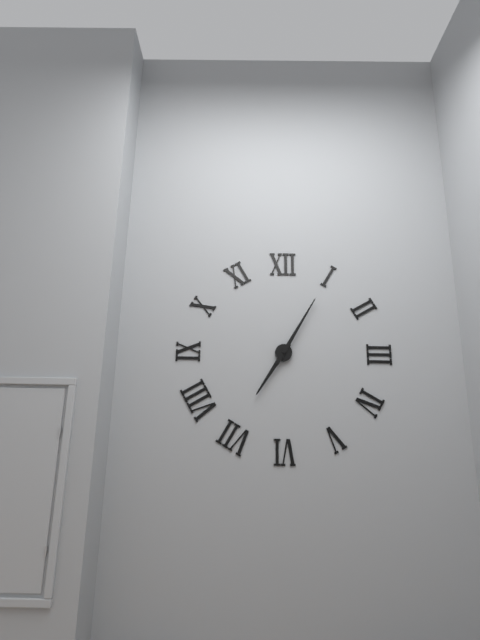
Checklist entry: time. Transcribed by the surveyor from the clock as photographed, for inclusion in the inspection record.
7:05
